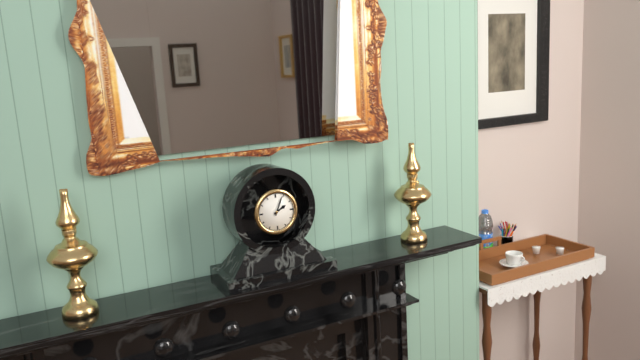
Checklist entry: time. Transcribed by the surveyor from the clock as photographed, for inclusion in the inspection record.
2:04
